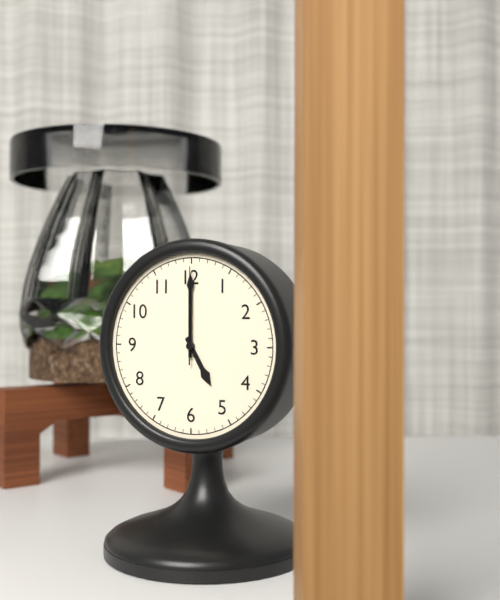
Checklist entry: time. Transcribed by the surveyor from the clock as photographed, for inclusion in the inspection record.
5:00:00
